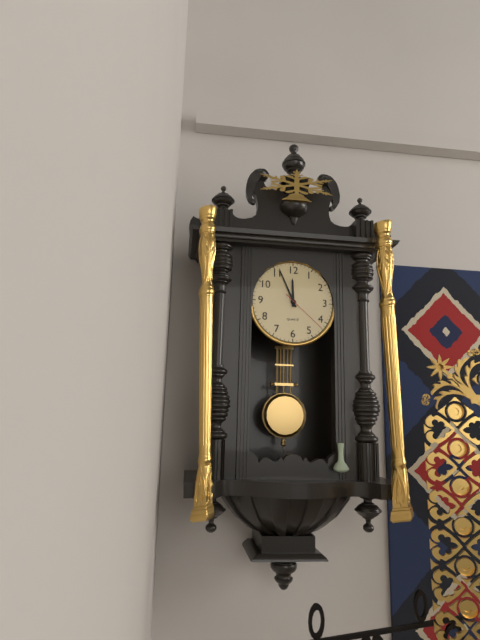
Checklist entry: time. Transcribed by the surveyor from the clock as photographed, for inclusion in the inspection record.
11:56:22
